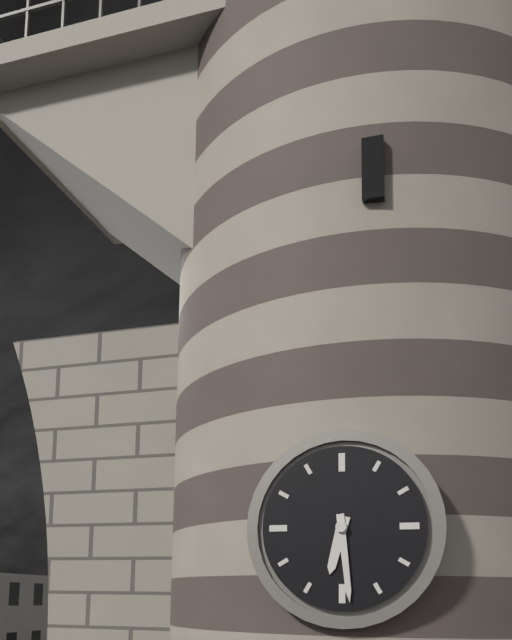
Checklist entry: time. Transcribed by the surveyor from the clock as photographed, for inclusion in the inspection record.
6:29
